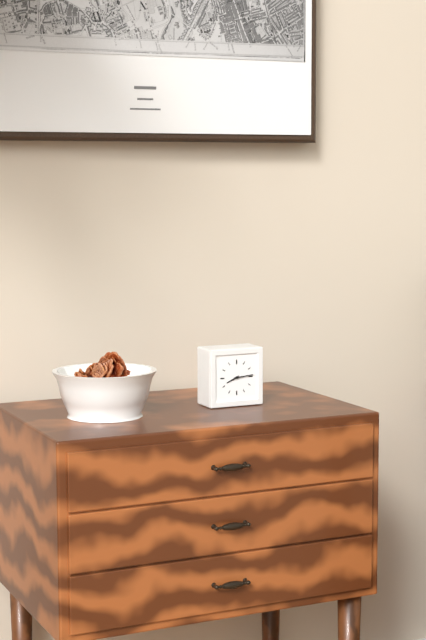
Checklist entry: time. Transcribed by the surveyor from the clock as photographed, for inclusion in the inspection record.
8:14
